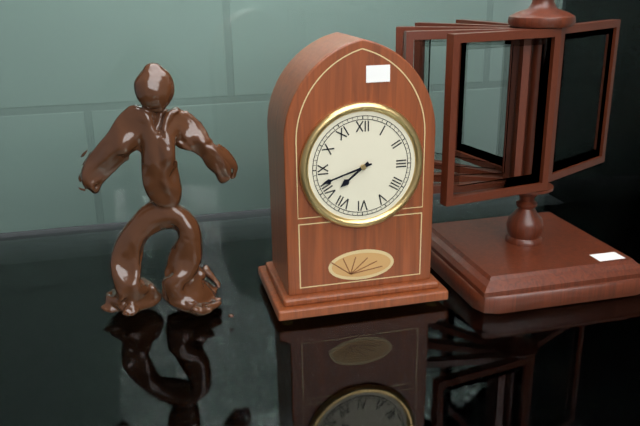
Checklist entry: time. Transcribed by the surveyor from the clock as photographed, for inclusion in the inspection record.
7:42
